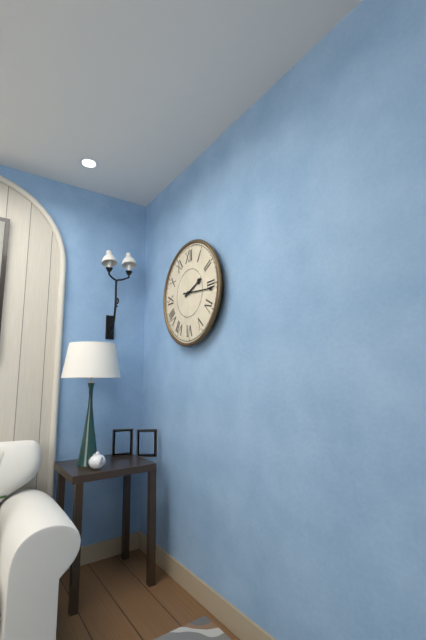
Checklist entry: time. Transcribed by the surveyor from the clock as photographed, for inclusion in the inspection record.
2:16
